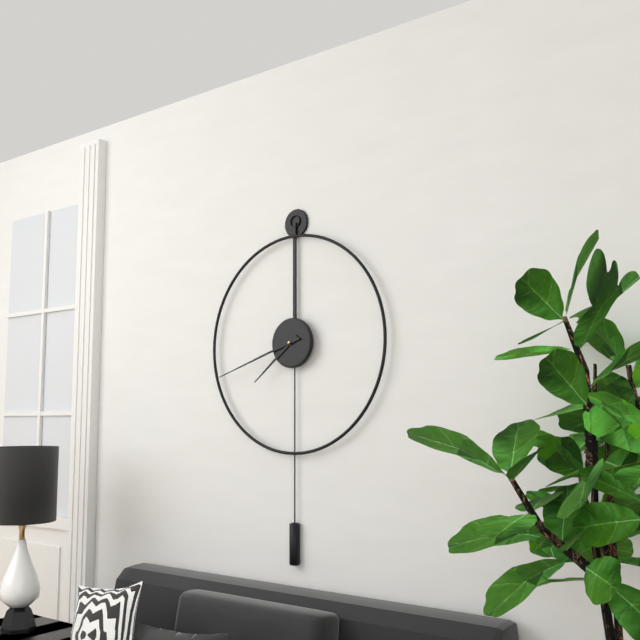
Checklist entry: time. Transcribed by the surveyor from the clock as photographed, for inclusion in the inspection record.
7:42
